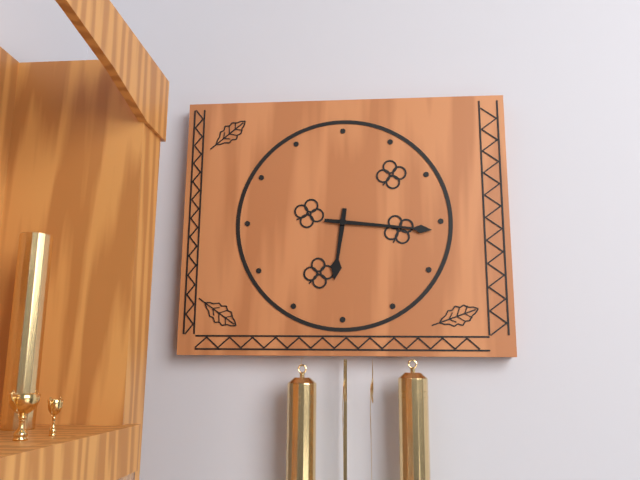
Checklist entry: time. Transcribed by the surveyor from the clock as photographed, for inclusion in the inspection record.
6:16
